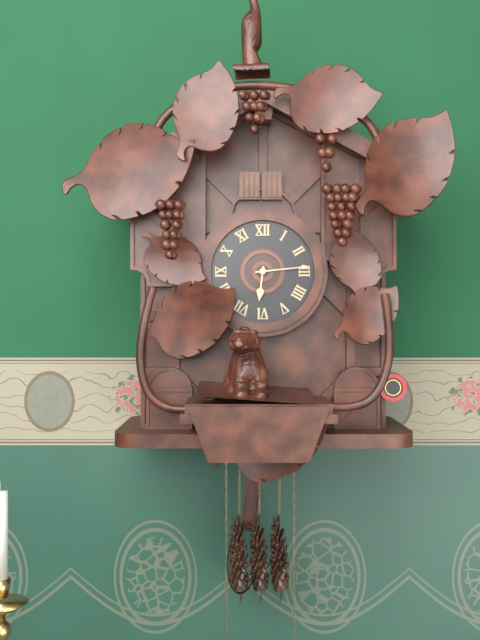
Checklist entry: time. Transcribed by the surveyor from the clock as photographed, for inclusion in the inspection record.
6:14
